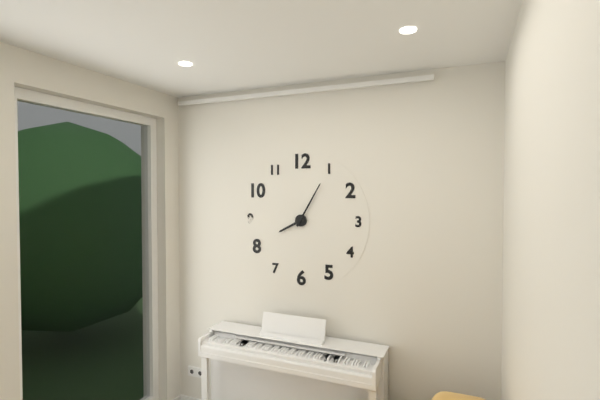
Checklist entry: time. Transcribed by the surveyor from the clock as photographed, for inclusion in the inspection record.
8:05
